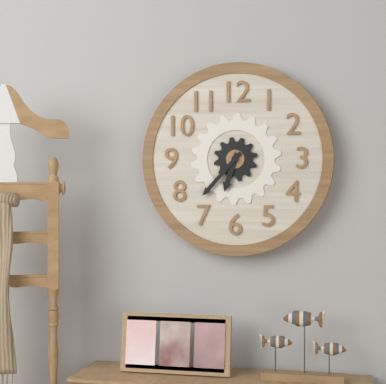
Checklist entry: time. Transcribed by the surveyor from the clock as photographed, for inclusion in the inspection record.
6:37
